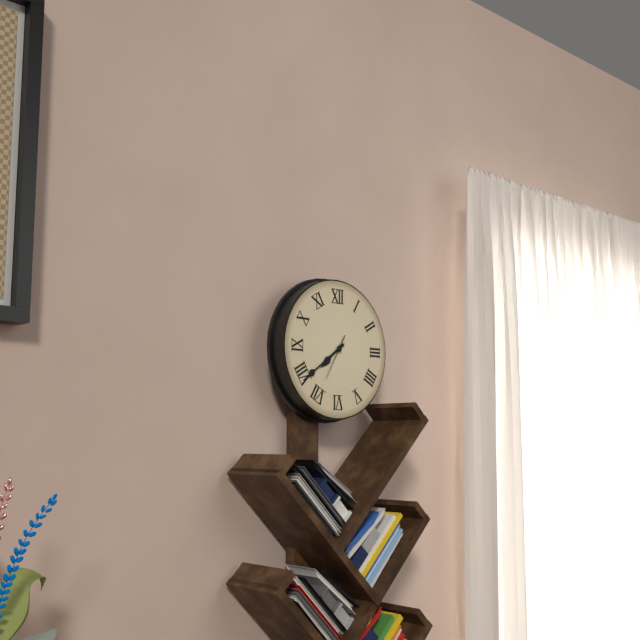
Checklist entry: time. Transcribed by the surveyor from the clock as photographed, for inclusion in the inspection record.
7:39
